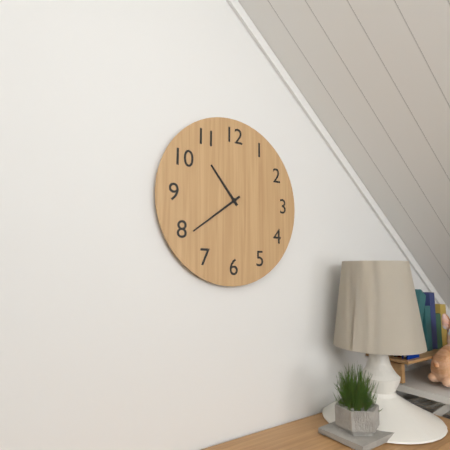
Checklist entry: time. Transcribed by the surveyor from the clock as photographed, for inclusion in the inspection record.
10:39
